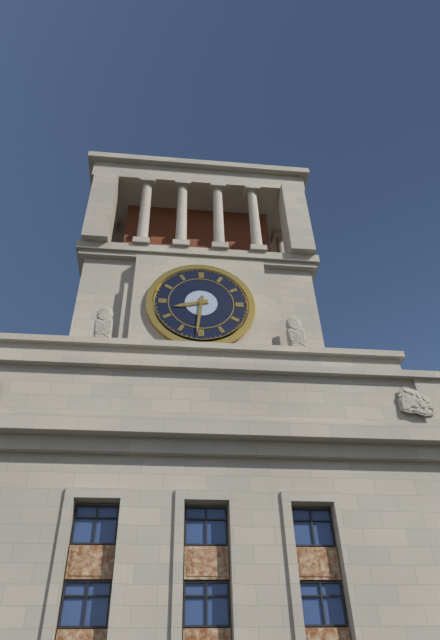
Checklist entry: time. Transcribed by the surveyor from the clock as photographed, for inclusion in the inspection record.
8:31
